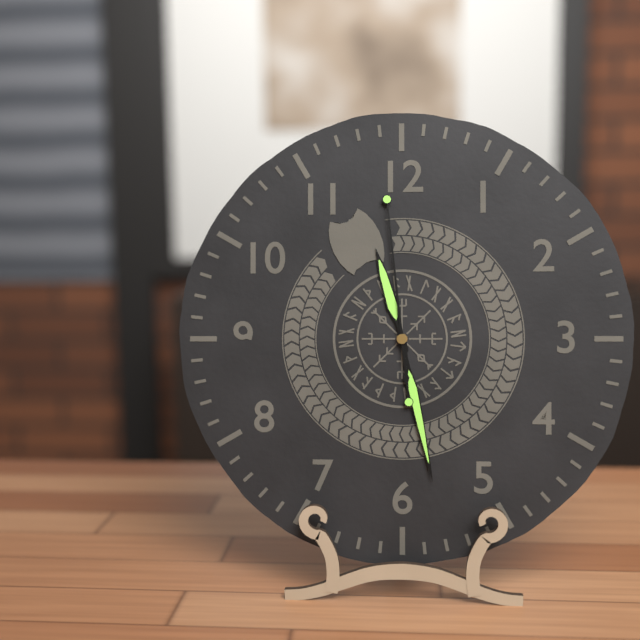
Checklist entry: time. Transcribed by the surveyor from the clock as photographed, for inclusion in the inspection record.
11:28:59
